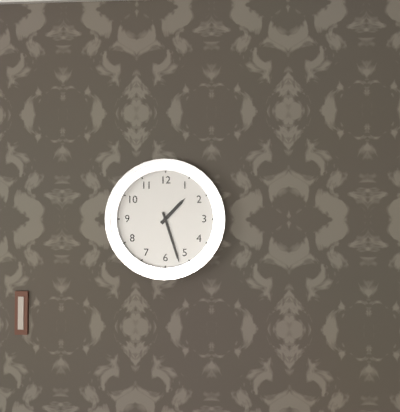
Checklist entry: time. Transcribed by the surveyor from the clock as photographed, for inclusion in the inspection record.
1:27
